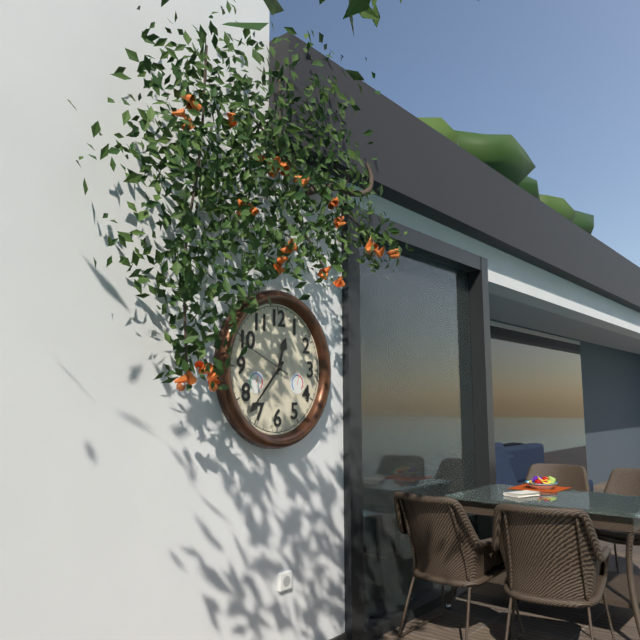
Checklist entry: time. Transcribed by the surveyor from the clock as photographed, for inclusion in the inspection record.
12:37:49
